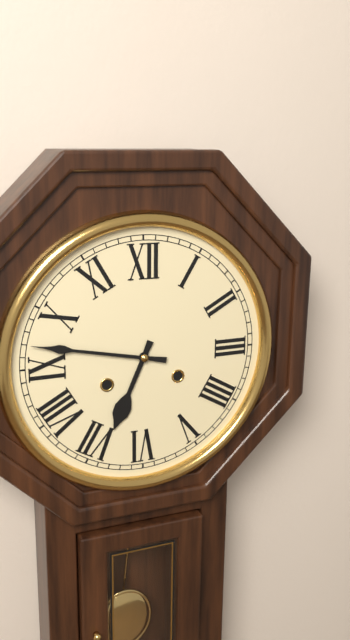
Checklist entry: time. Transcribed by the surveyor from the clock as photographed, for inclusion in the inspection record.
6:47
